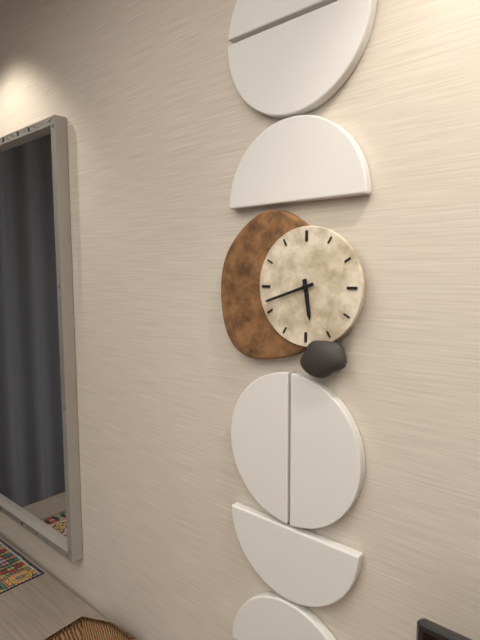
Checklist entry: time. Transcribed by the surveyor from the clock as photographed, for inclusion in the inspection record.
5:42
